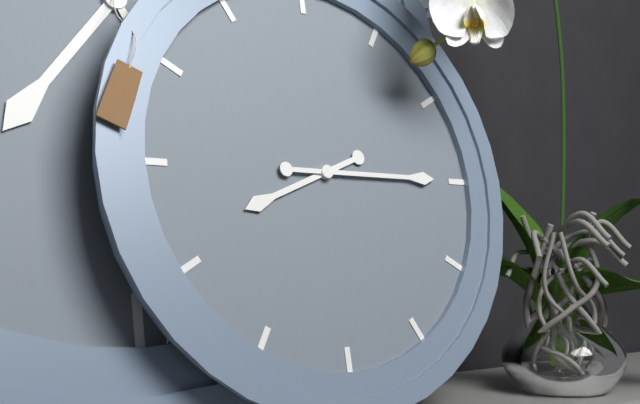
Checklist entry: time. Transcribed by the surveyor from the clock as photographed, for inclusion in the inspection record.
8:15
